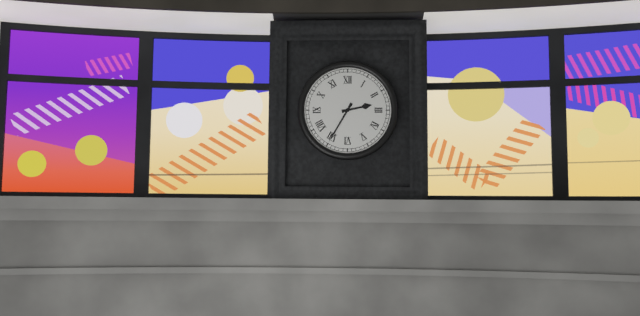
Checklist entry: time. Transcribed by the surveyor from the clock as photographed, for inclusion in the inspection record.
2:35
